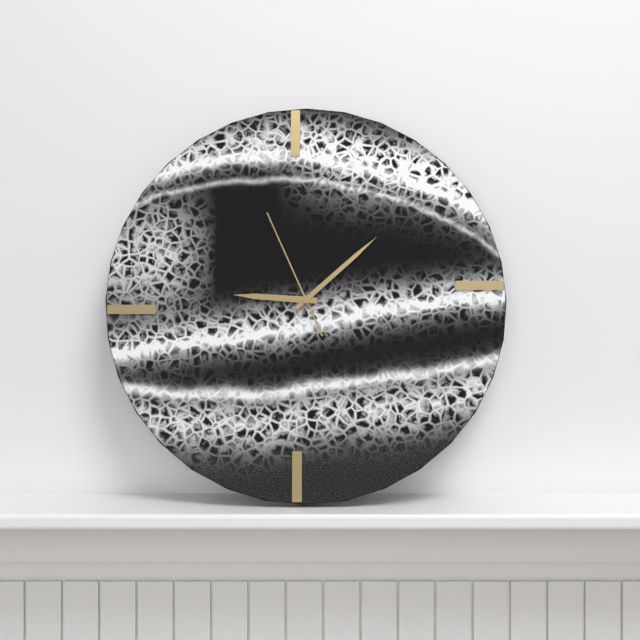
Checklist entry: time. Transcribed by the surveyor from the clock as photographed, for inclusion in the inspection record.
9:08:56
